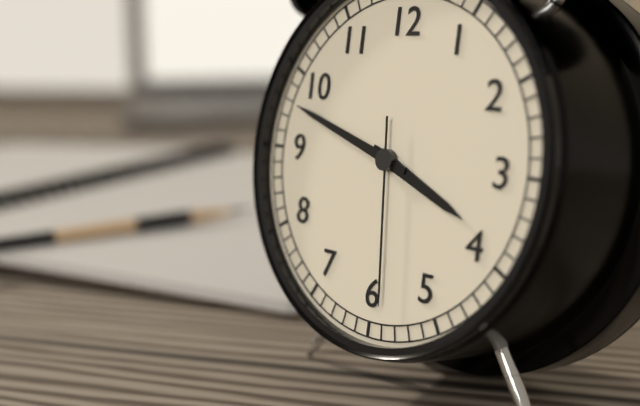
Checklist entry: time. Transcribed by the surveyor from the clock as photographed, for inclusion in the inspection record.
3:48:29
